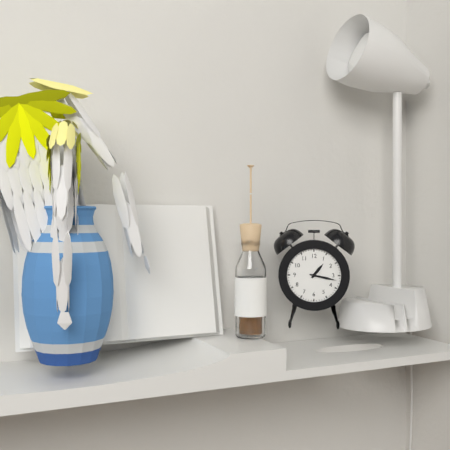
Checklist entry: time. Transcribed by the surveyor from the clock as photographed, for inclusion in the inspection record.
1:17
